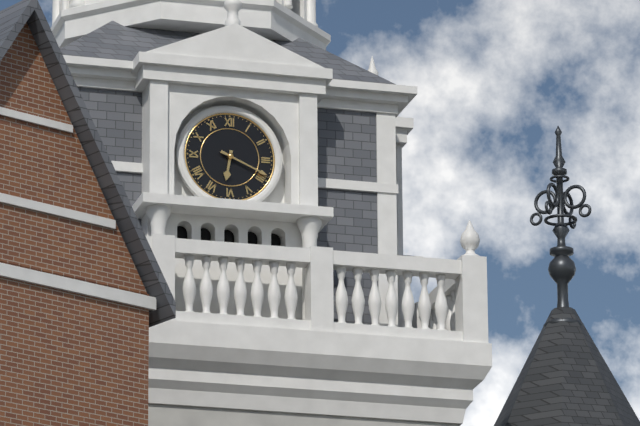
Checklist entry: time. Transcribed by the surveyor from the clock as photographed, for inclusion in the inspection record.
6:19
